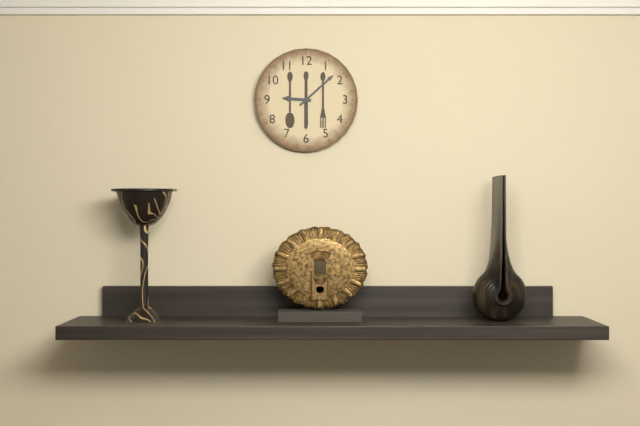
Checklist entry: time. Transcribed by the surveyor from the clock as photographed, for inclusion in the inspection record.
9:08
